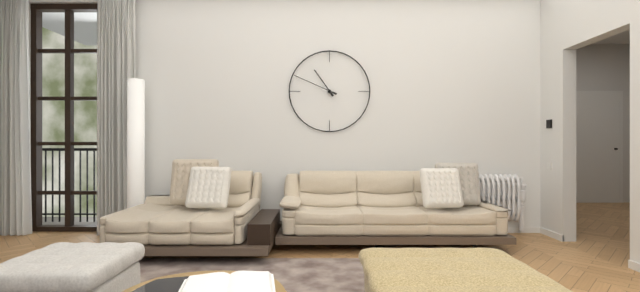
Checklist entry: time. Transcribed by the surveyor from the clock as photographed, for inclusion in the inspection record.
10:49
